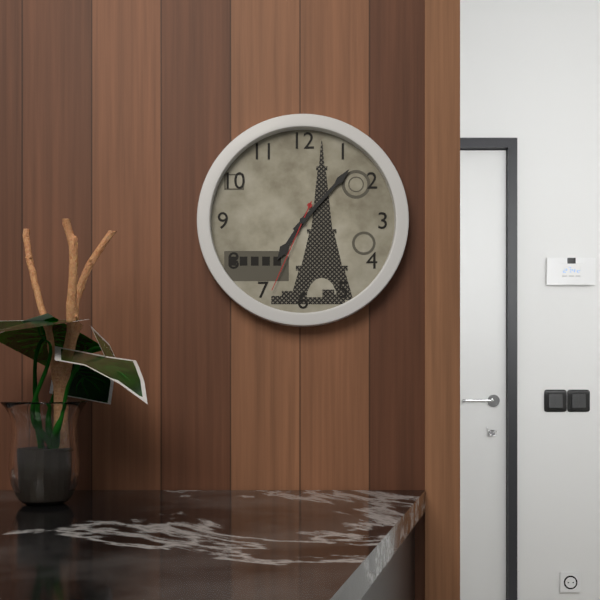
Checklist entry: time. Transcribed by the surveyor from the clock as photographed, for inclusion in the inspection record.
7:07:34
